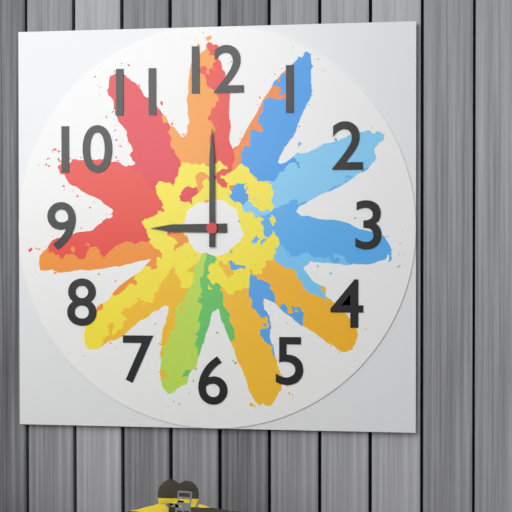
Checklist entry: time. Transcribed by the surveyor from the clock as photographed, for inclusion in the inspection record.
9:00
